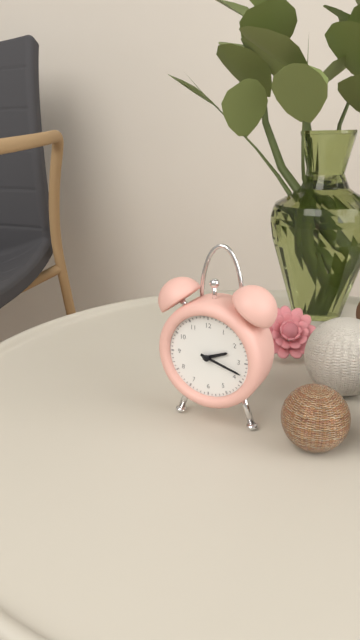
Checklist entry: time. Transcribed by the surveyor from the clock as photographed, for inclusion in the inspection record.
2:18
